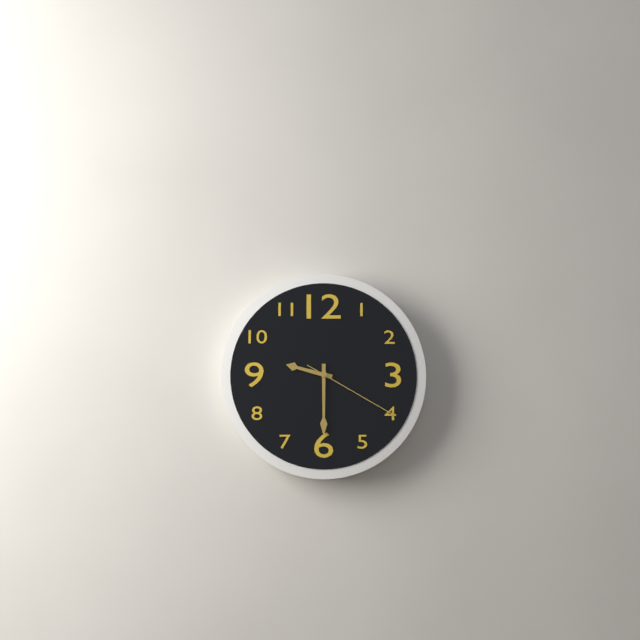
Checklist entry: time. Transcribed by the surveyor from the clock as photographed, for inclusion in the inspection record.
9:30:20
